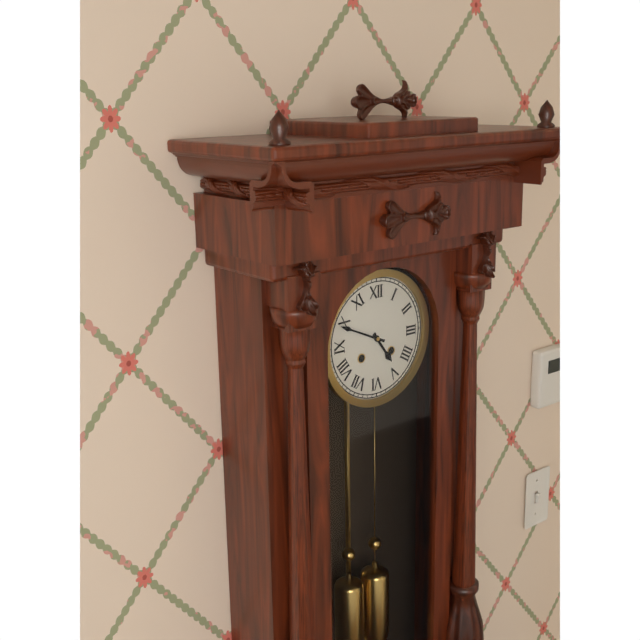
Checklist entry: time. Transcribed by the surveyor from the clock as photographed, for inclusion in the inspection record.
4:49
